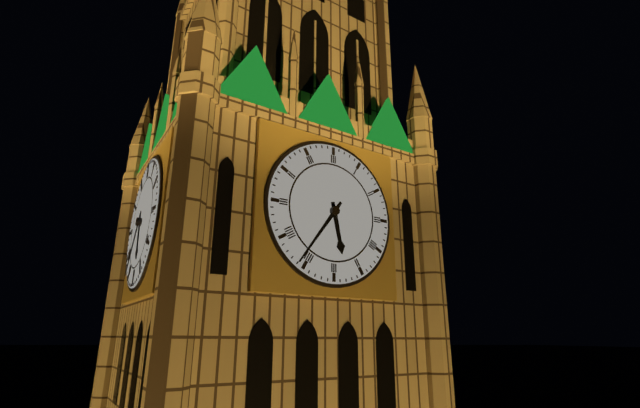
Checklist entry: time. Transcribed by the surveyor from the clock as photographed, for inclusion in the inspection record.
5:36
